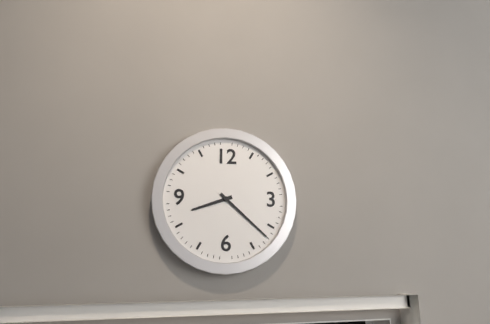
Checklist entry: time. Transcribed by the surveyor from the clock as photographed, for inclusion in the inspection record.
8:22
